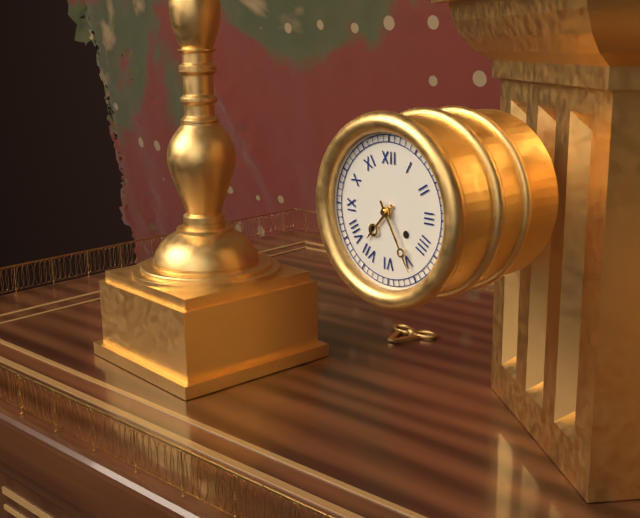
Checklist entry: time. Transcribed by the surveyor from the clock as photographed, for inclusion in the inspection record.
7:25
